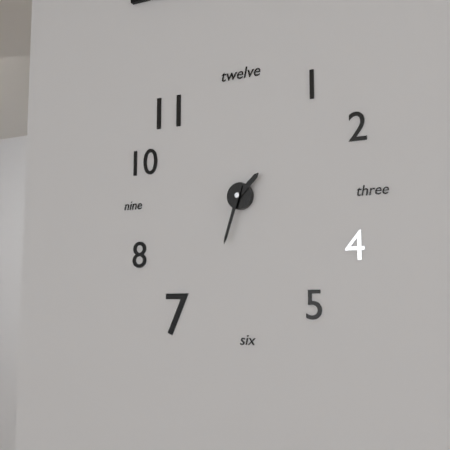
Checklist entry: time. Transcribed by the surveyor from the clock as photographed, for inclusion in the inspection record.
1:33
